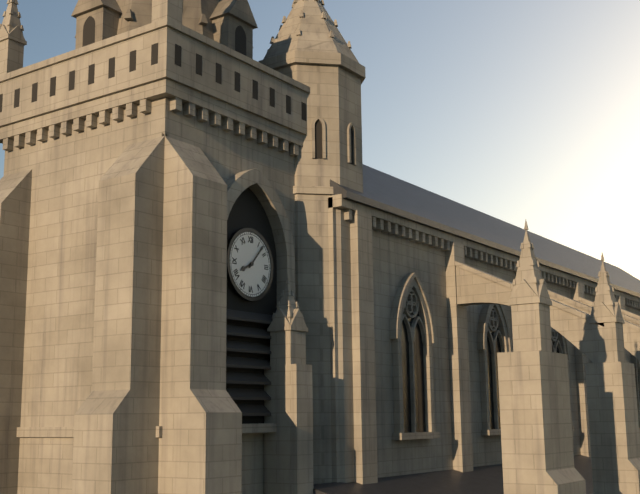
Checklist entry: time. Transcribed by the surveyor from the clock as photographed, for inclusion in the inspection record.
8:07
